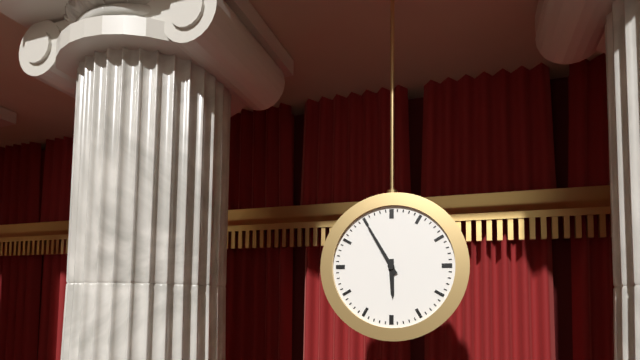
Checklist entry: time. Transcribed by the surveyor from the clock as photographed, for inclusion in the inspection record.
5:55
